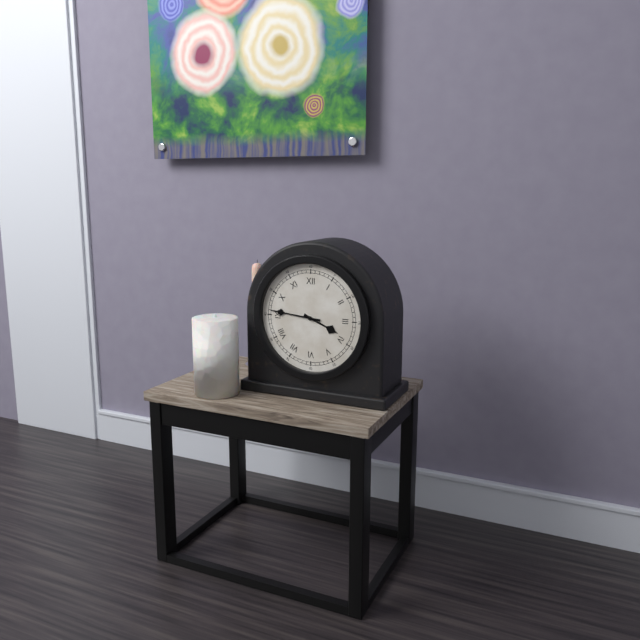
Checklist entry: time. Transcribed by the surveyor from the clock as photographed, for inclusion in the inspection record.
3:46
